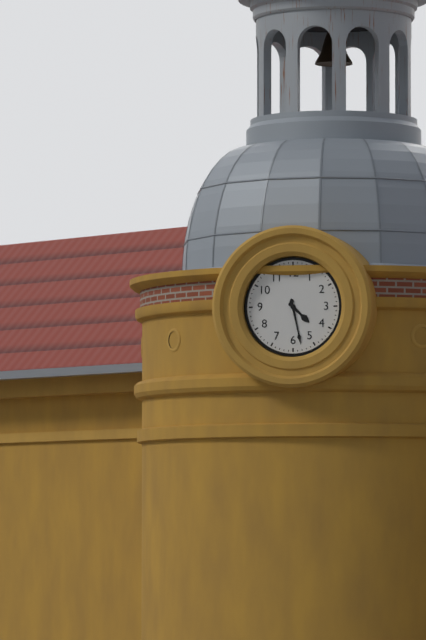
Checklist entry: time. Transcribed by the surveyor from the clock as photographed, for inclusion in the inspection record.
4:28
